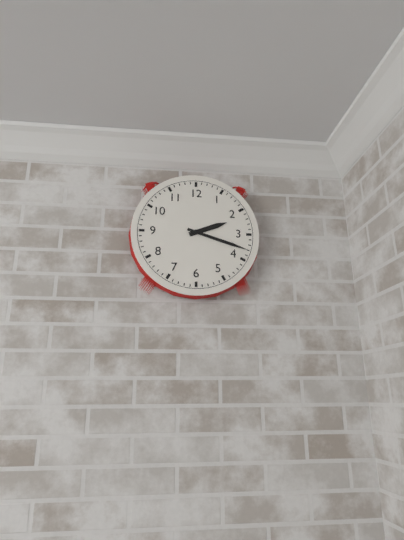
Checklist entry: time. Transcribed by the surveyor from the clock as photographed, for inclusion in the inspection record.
2:18
